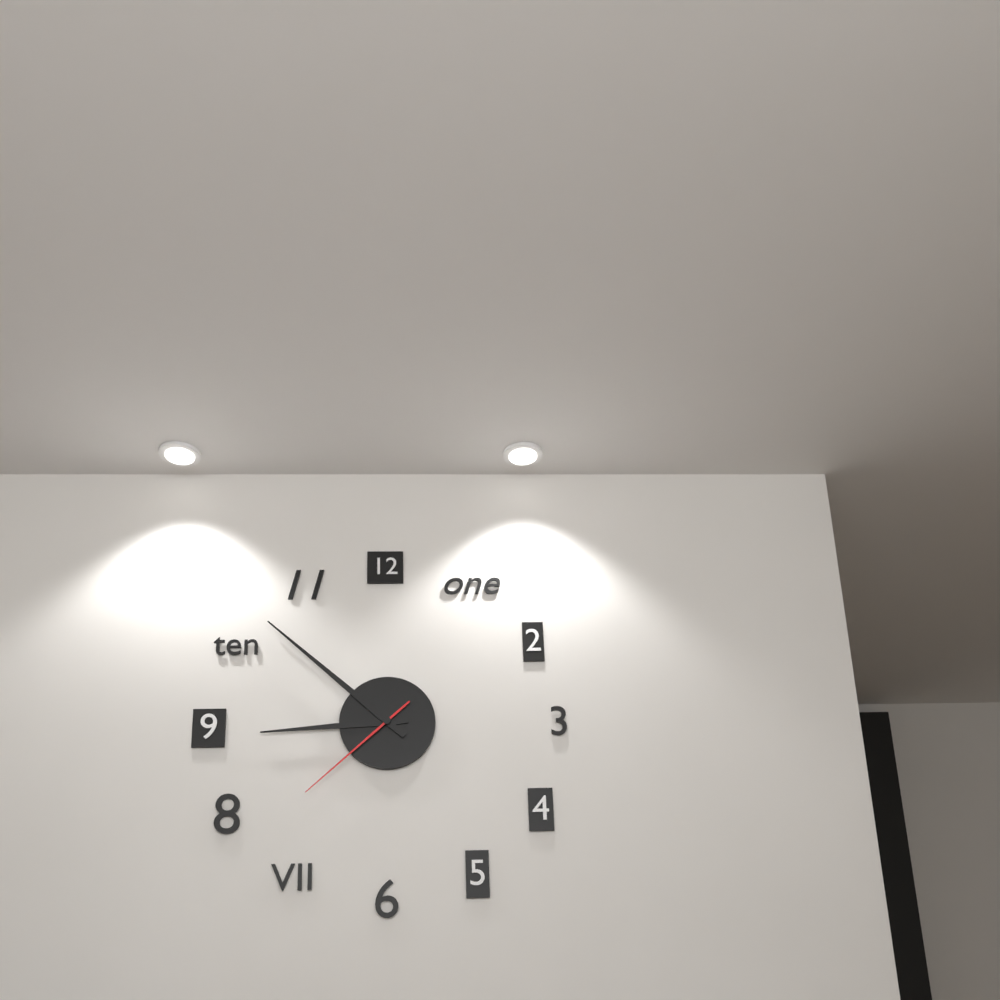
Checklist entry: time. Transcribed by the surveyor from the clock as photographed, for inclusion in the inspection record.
8:52:38
